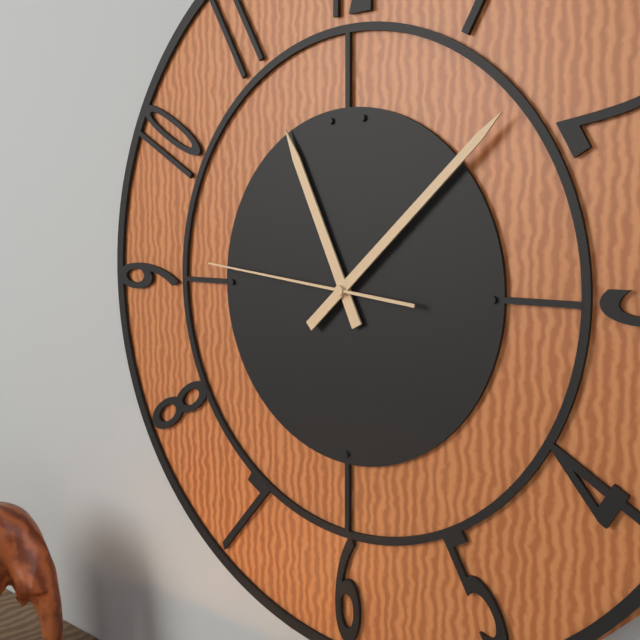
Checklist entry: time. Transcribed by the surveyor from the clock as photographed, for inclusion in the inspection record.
11:08:46
